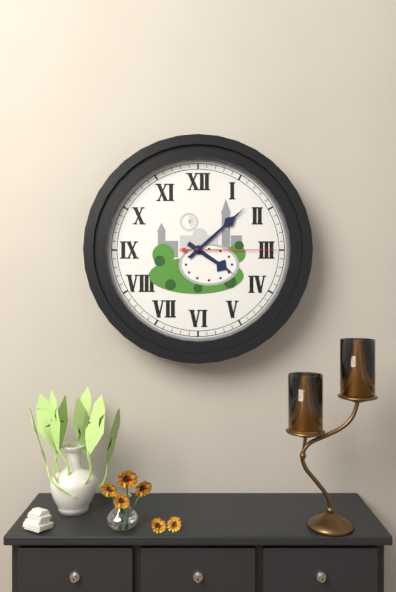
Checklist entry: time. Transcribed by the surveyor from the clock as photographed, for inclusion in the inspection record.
4:08:15
